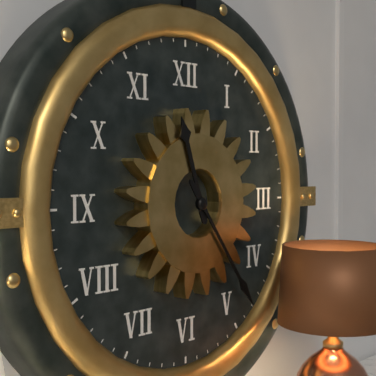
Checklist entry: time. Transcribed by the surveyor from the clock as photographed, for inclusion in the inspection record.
11:24
